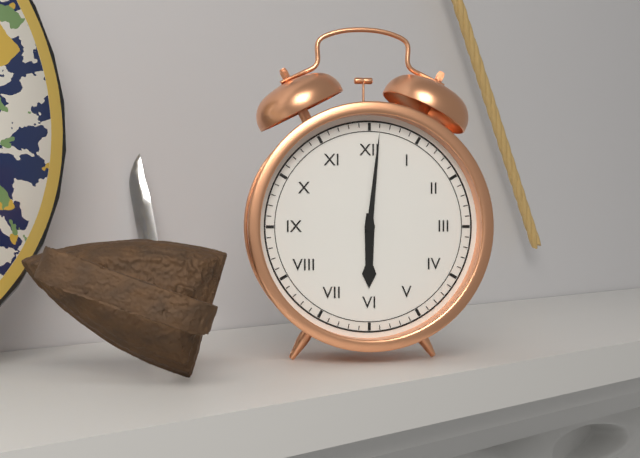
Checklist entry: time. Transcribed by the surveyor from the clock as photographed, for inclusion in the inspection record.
6:01
